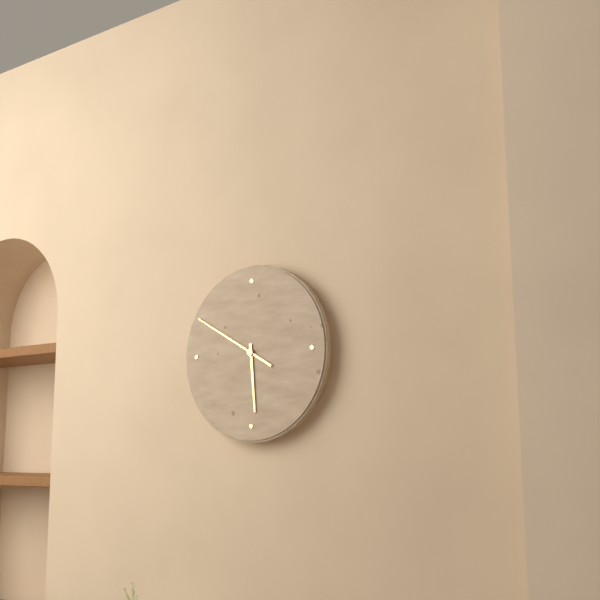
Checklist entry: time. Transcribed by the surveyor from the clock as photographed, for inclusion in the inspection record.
5:50
